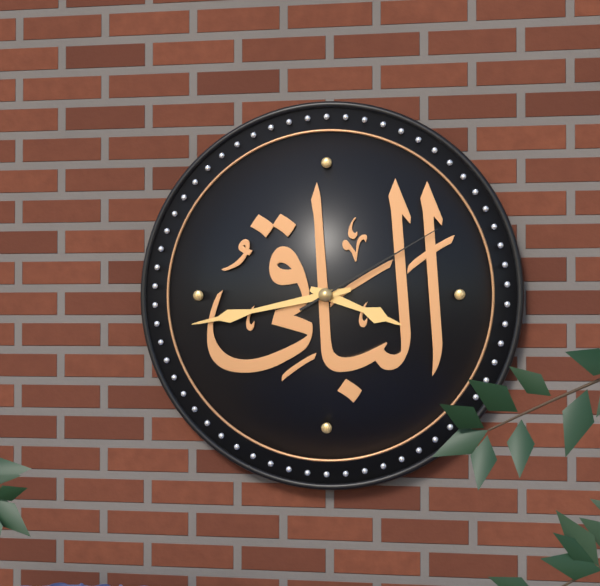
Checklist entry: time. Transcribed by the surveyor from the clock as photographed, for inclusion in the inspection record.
3:43:10
